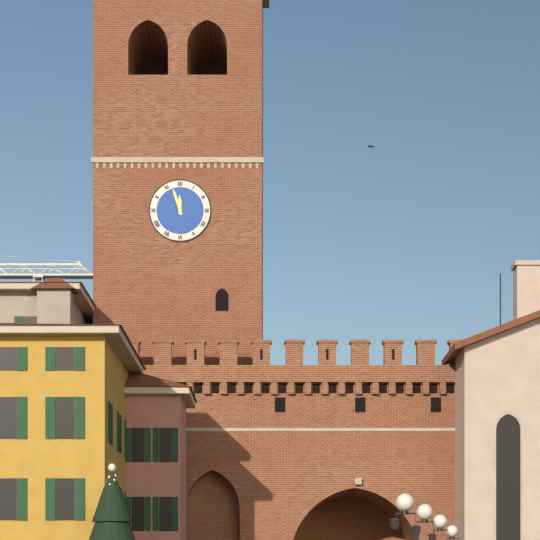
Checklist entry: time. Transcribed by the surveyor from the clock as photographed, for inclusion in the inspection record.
11:57
